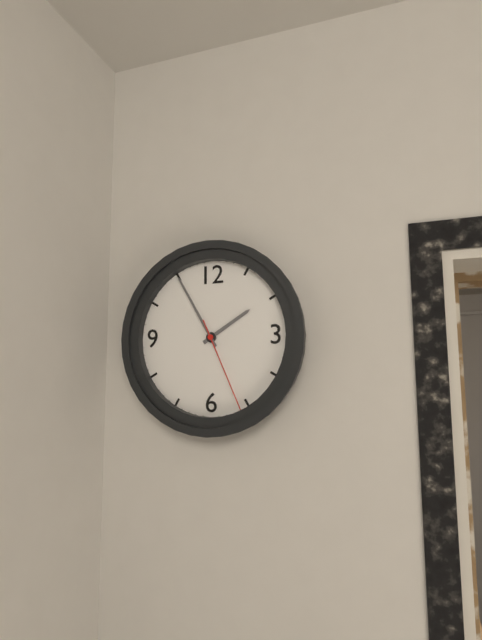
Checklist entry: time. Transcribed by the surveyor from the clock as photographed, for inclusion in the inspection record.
1:55:26
